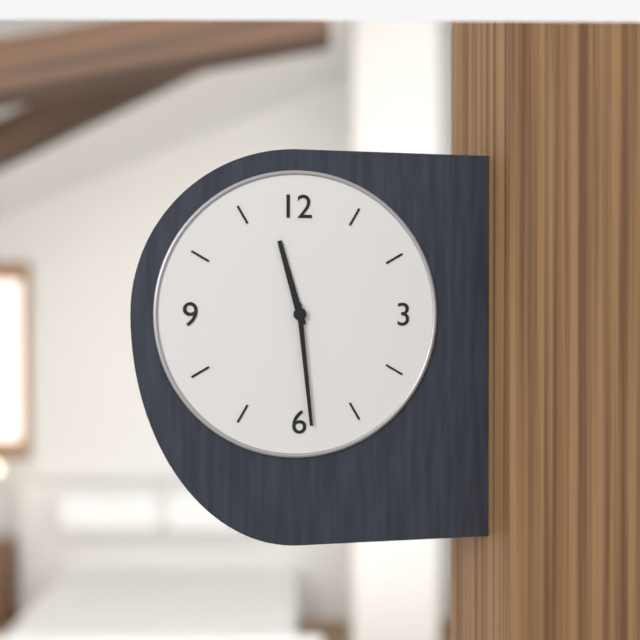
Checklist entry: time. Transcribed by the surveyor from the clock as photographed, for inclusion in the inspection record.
11:29
